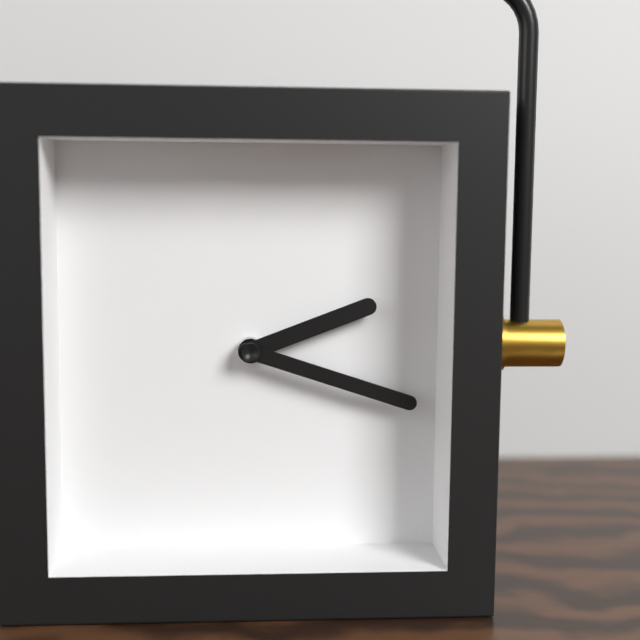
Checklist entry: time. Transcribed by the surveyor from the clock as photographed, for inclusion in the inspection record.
2:18
